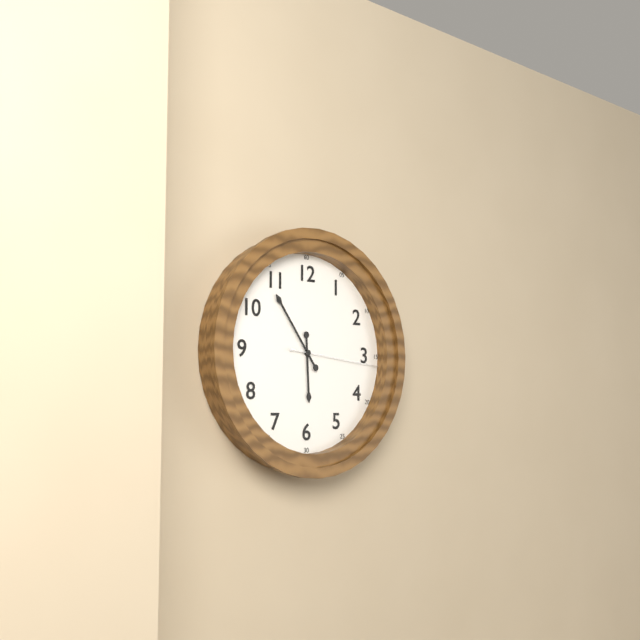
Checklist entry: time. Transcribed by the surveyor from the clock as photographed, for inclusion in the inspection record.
5:54:16
